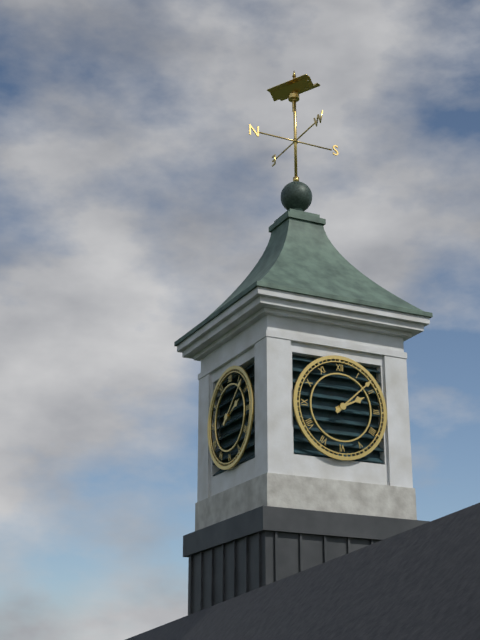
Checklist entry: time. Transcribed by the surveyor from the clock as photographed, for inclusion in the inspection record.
2:08
